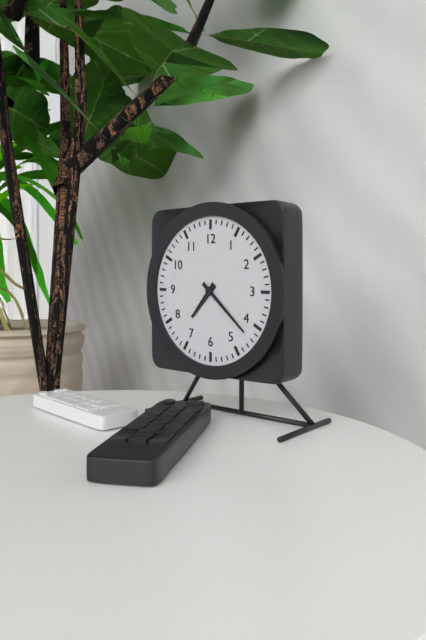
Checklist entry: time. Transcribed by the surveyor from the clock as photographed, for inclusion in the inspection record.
7:22
